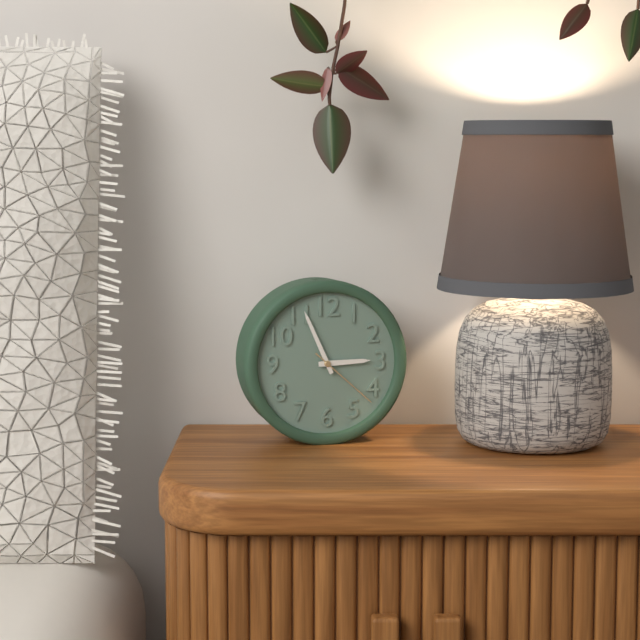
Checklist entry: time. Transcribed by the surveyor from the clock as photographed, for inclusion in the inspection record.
2:56:22
